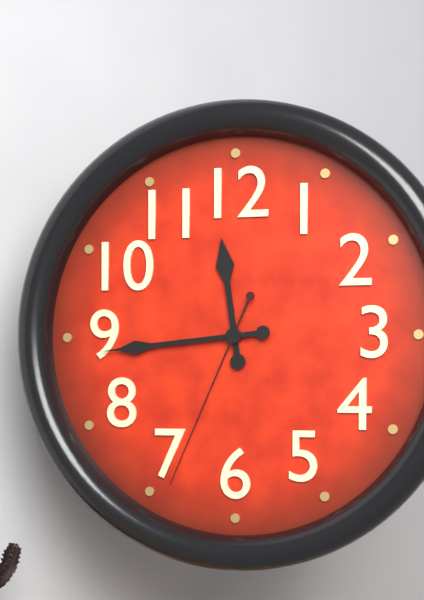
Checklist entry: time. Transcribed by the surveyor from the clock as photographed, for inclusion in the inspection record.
11:44:34
